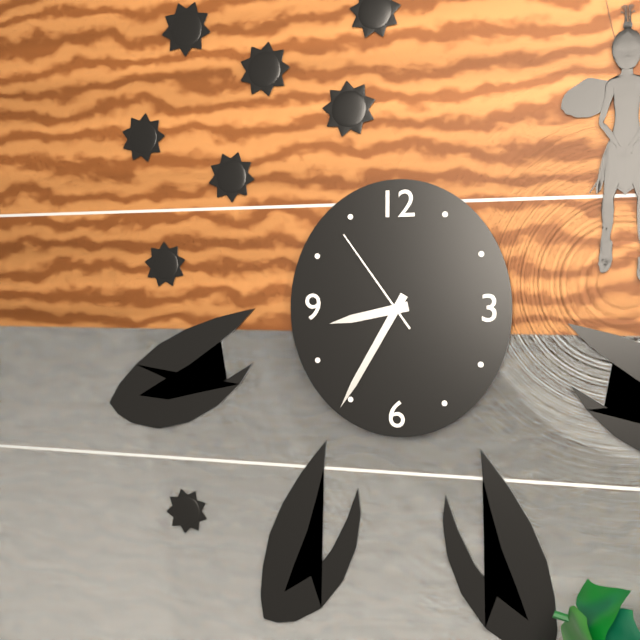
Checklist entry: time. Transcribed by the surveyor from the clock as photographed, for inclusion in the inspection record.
8:35:54
